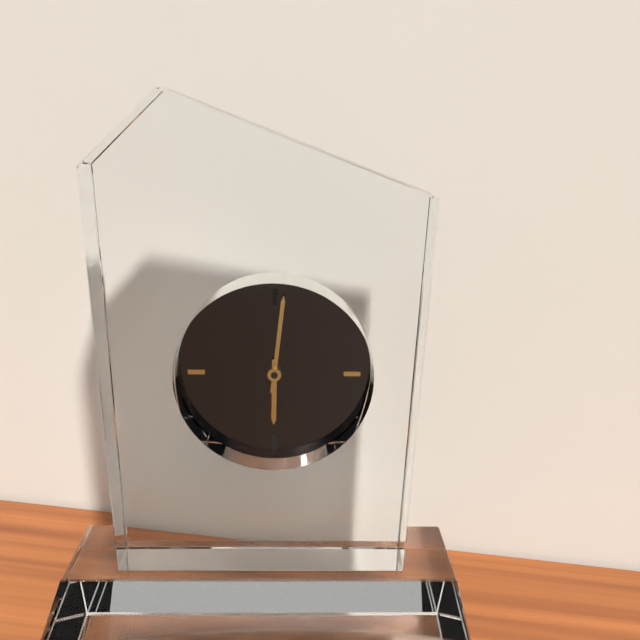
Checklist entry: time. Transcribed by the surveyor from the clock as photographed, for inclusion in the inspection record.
6:01
